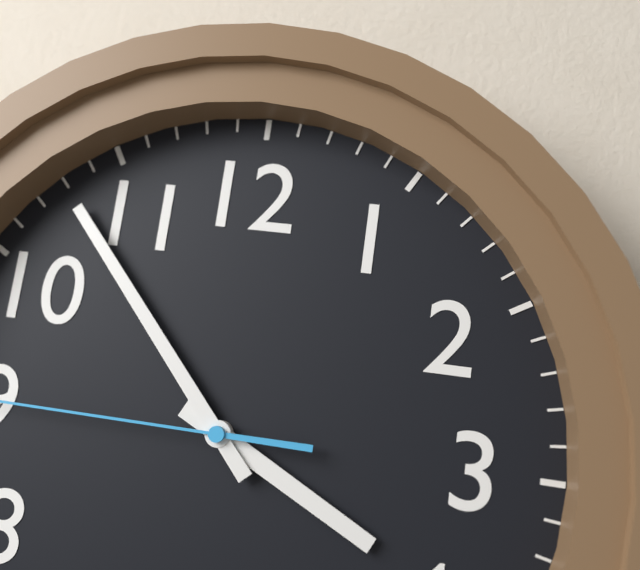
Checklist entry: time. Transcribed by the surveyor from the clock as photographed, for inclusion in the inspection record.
3:53
